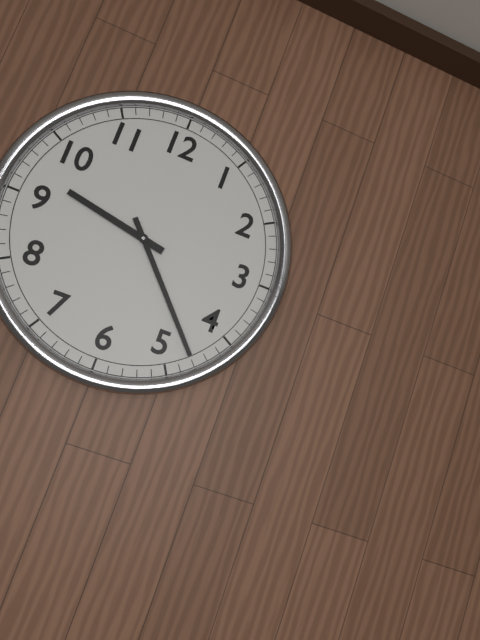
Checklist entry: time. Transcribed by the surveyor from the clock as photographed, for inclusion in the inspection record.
9:23
